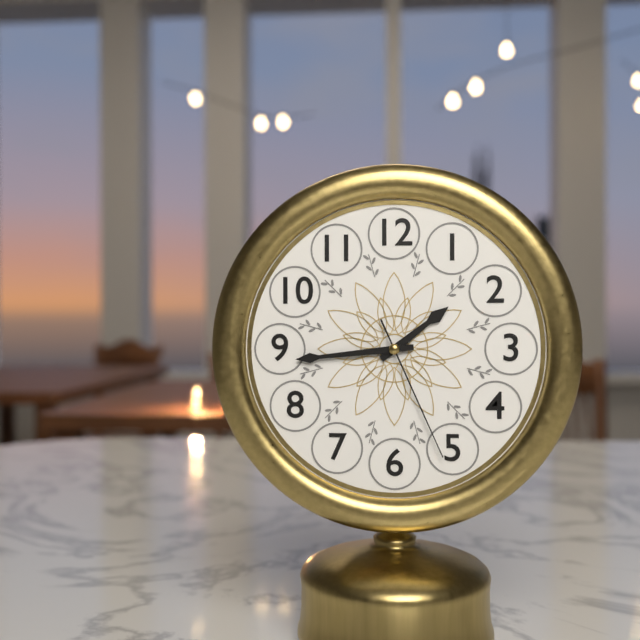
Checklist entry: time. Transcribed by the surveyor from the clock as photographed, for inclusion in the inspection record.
1:44:26
